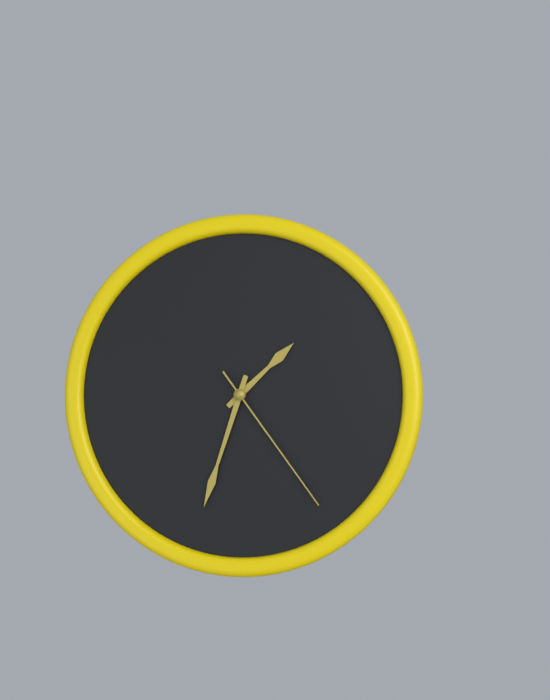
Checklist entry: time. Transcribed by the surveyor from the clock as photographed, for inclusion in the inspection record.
1:33:24
